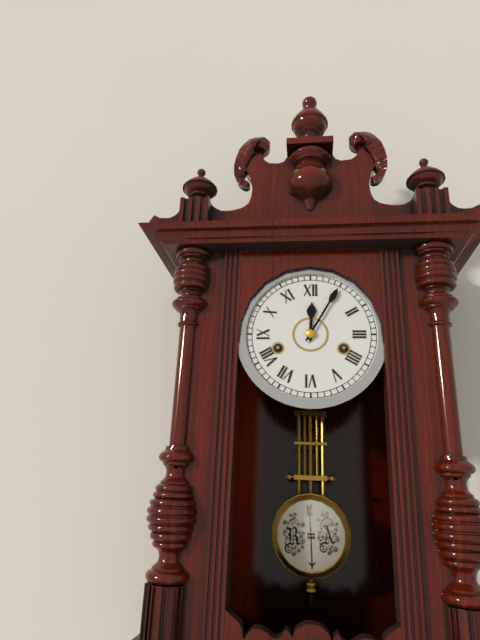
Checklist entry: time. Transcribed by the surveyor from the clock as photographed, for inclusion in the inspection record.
12:05
